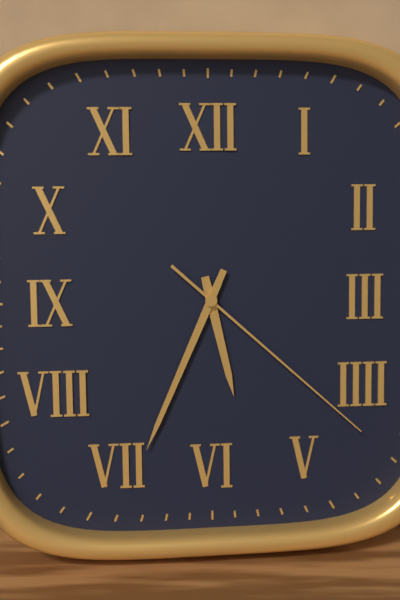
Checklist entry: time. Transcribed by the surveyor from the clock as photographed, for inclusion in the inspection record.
5:34:22
